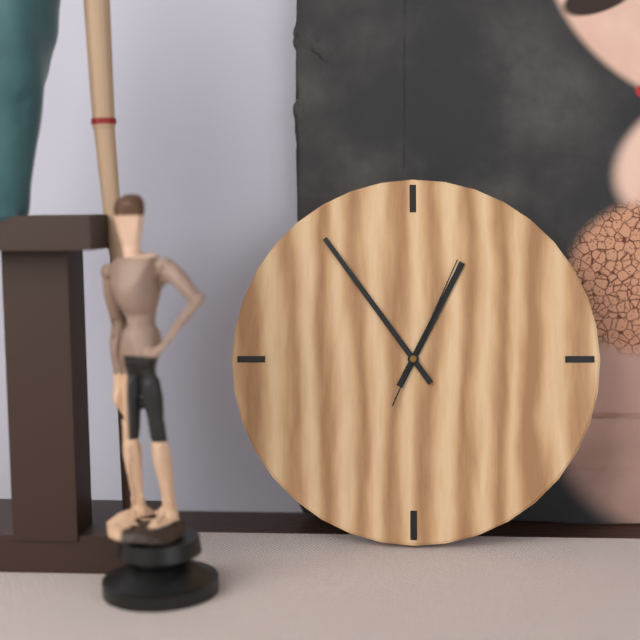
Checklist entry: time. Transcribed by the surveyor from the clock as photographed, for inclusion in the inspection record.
12:54:04
